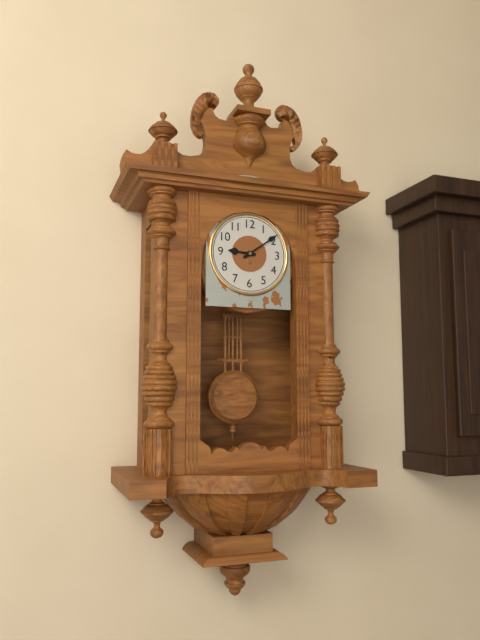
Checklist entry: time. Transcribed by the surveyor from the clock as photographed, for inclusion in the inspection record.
9:09
